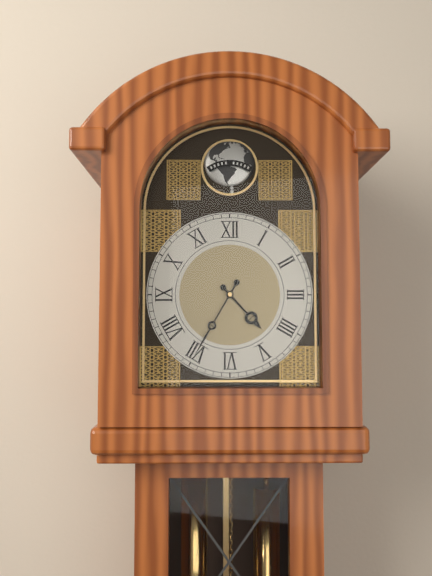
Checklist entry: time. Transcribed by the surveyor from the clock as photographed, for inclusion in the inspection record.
4:35
